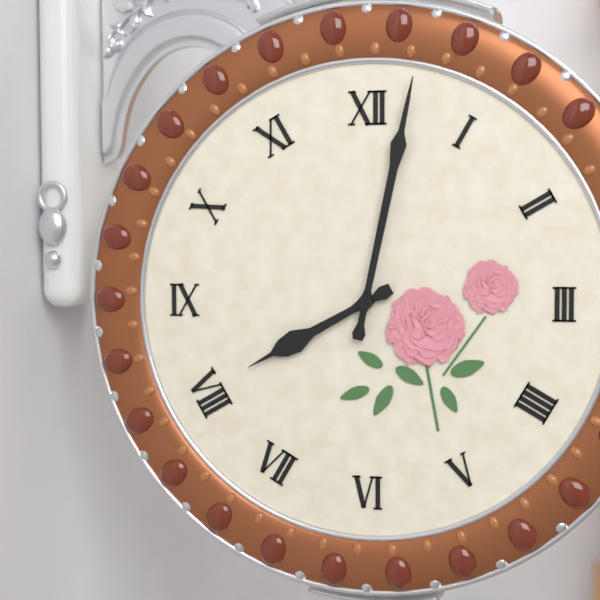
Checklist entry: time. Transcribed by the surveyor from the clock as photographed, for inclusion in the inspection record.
8:02
